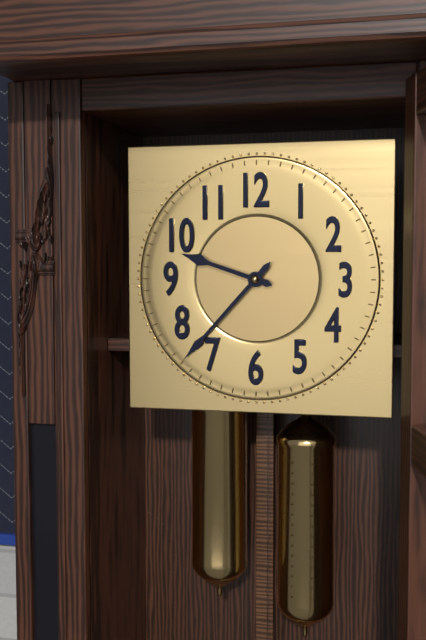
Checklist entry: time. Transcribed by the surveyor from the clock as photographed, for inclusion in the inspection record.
9:37
